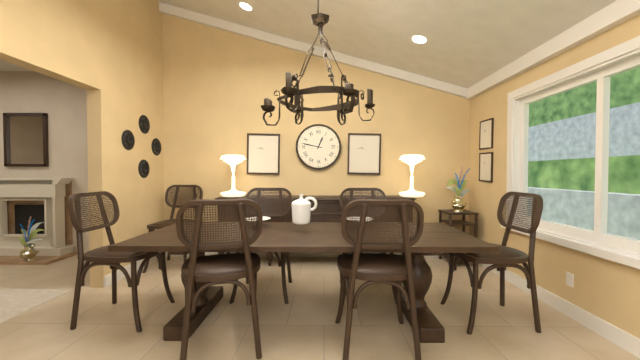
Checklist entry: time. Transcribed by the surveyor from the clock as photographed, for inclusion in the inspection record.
12:47
